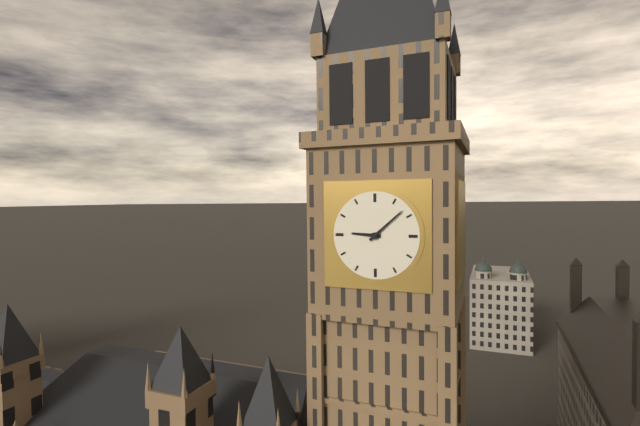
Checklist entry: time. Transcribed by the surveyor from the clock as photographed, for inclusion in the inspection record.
9:08
